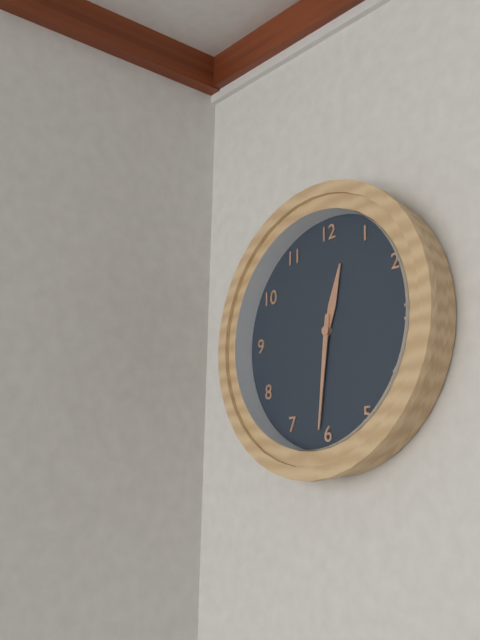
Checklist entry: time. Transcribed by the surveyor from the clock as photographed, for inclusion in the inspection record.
12:31
